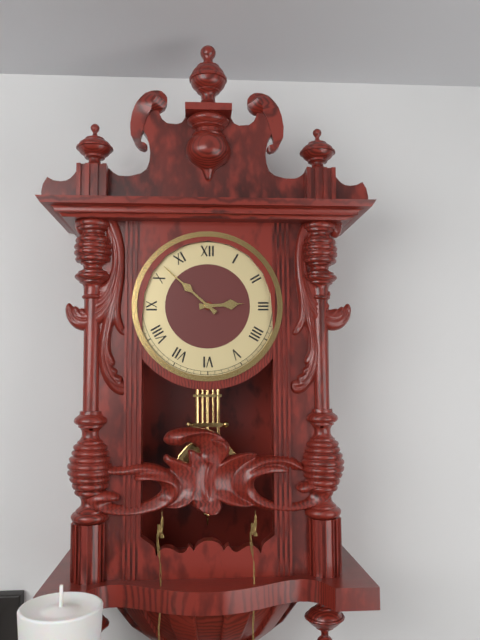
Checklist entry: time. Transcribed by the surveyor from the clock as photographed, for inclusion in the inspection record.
2:52
